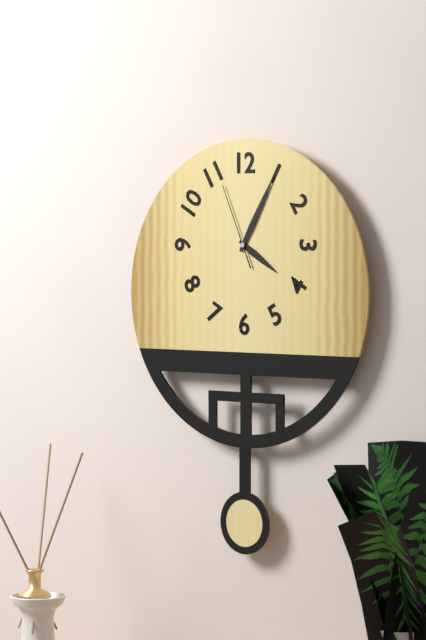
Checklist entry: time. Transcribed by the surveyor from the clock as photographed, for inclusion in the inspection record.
4:05:56
